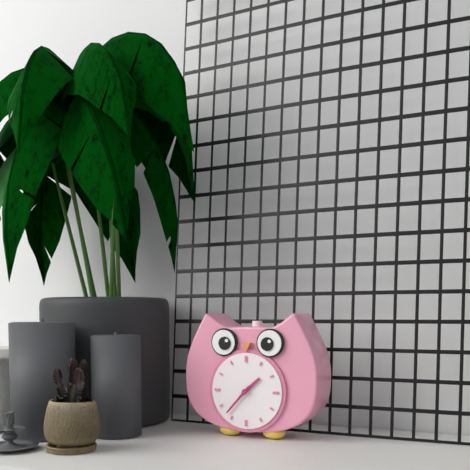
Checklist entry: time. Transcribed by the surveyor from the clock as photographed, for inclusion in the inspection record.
1:37
